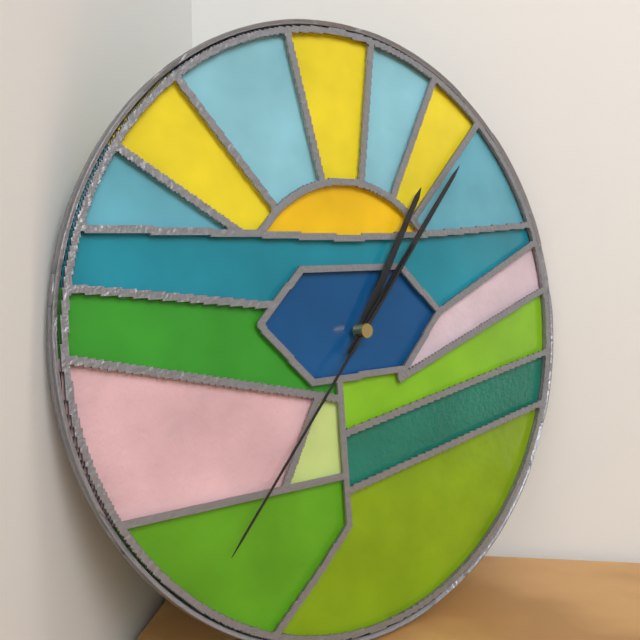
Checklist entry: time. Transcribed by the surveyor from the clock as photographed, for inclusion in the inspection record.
1:07:37
